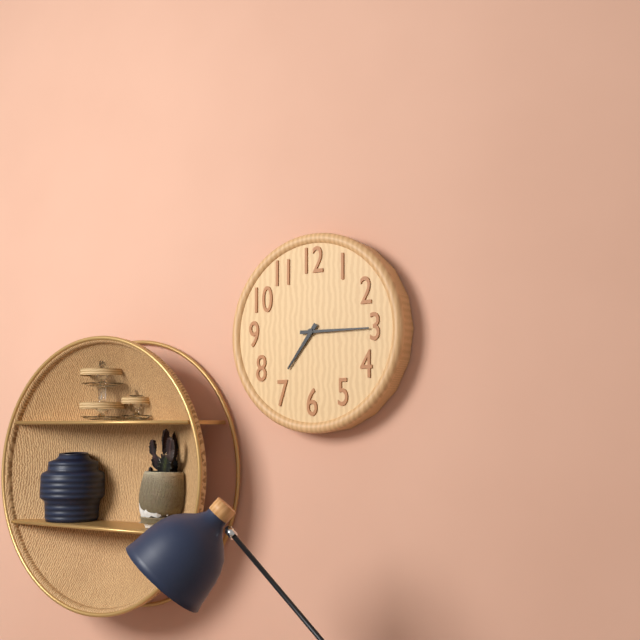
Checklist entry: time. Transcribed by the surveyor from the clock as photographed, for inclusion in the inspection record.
7:15
